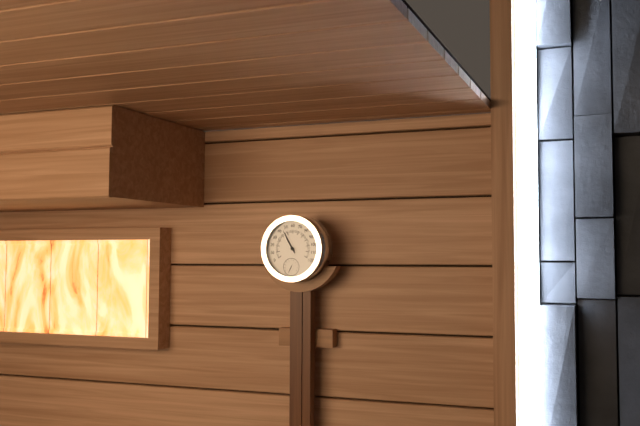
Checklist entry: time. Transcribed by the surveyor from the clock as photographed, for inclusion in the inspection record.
10:55
